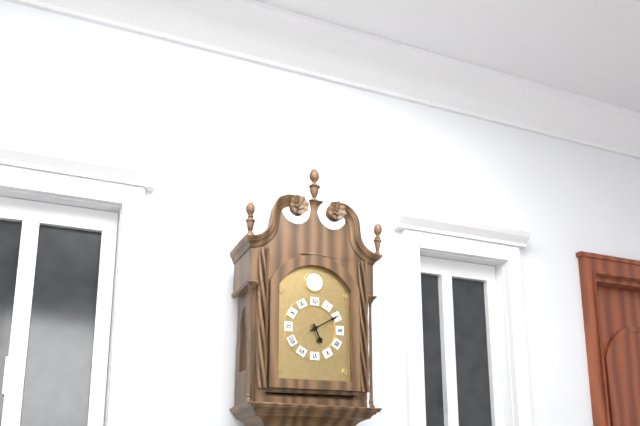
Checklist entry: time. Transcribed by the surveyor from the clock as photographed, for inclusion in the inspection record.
5:10
